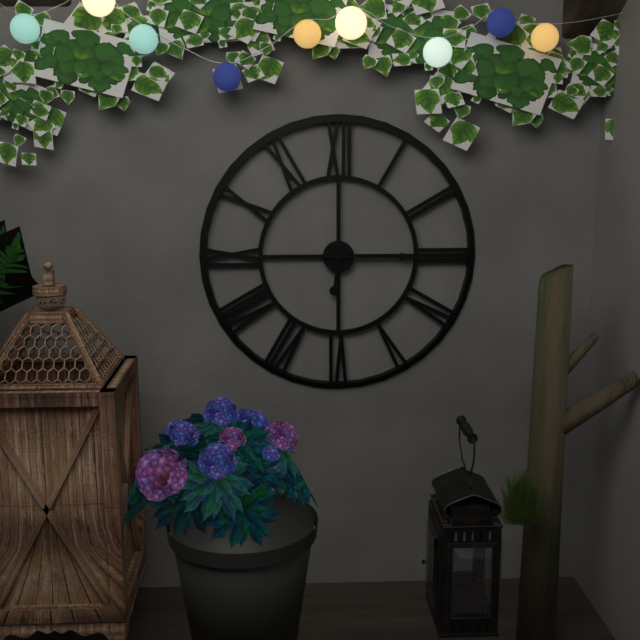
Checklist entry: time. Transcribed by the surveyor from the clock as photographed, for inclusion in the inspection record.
6:15
